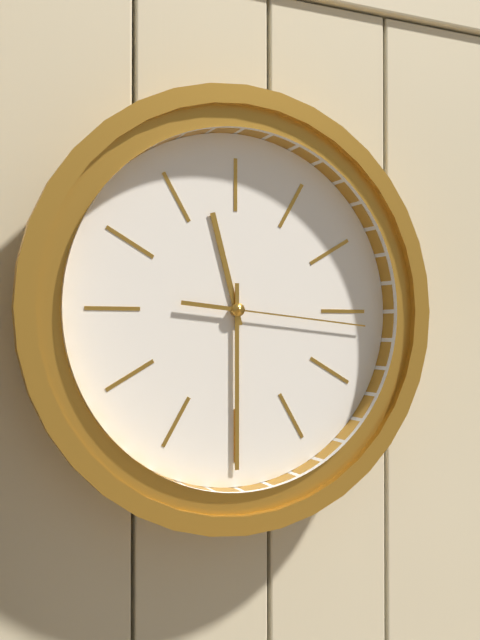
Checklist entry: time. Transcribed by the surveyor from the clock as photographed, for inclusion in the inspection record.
11:30:16
